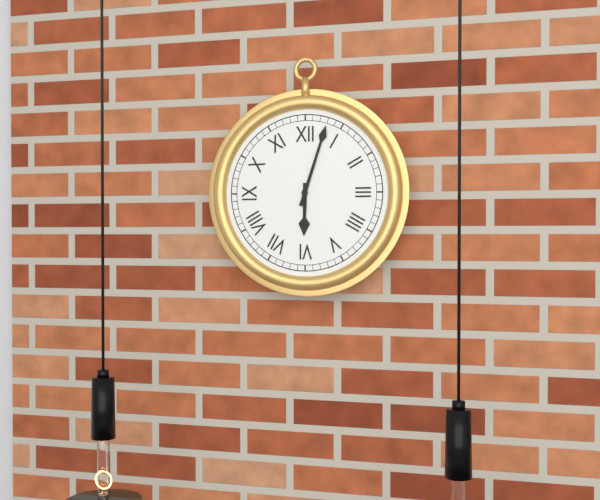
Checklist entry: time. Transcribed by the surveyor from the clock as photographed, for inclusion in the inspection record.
6:03
